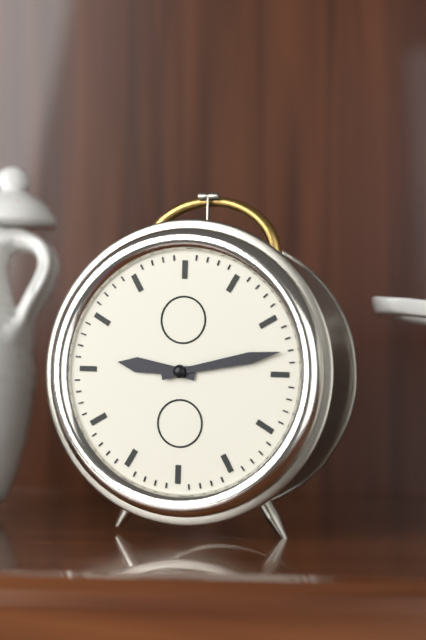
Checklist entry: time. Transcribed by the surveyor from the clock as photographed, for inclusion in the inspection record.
9:13
